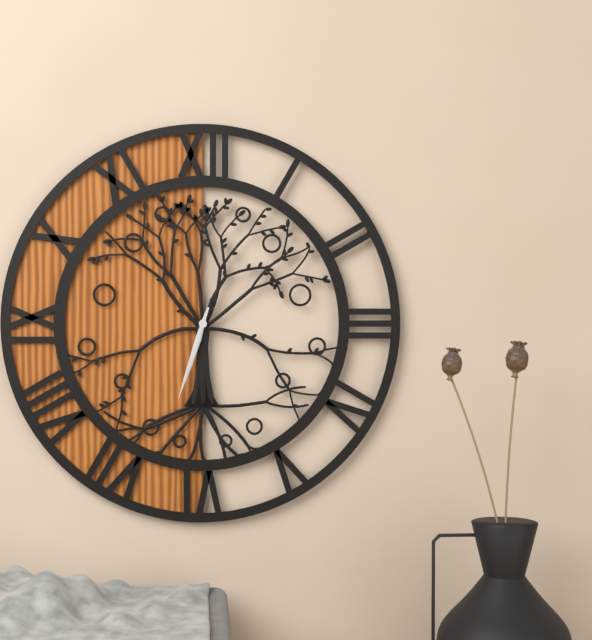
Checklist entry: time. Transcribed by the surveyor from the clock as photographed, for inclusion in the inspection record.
6:33
